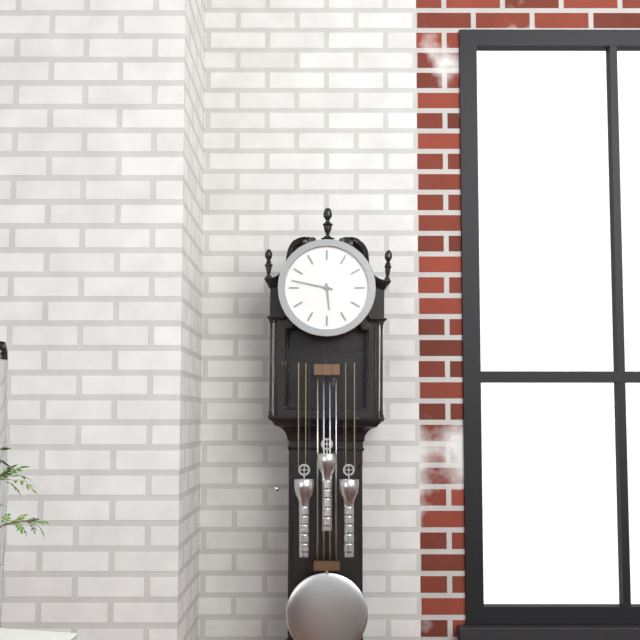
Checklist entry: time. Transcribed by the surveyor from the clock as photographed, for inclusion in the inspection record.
5:47
